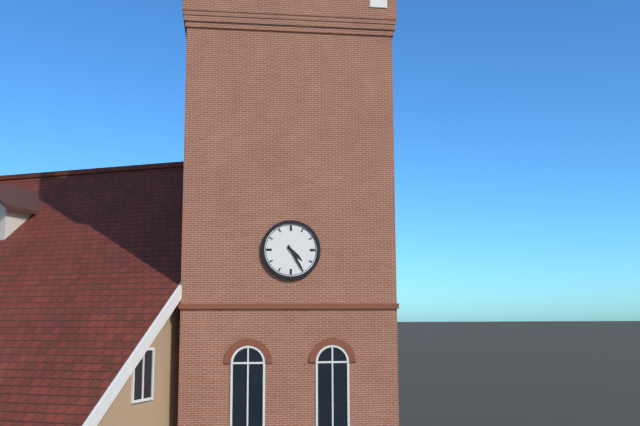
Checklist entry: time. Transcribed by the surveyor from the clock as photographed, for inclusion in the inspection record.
4:25
